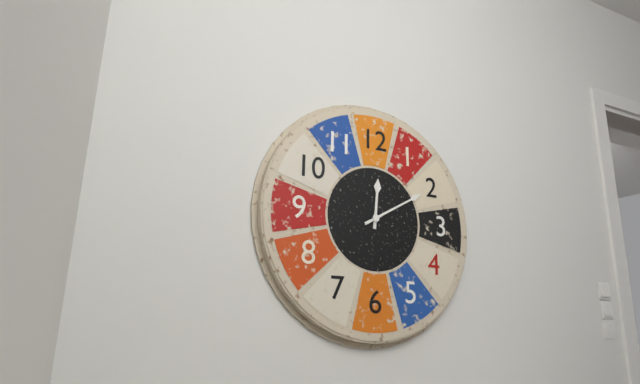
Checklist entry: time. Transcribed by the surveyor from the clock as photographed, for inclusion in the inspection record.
12:10
